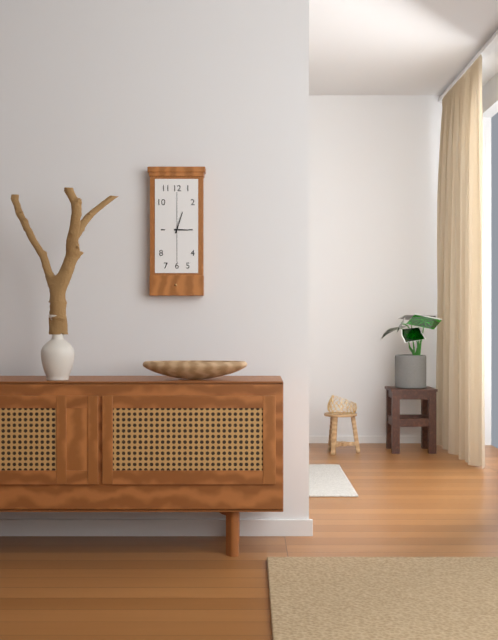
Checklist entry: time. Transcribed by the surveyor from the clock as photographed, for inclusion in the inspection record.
3:03
